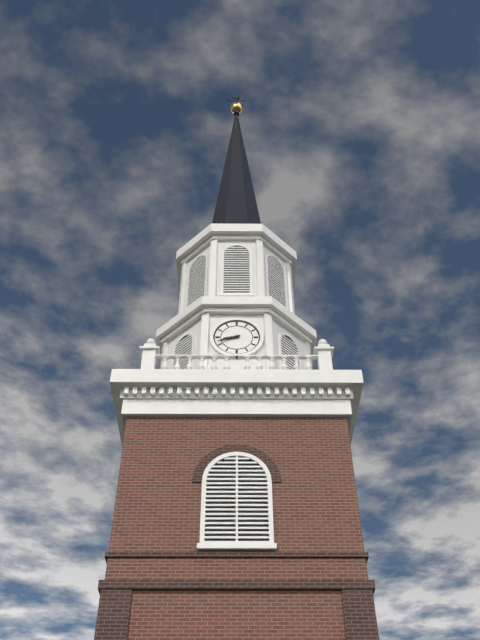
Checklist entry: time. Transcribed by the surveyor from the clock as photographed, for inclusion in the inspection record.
8:42
